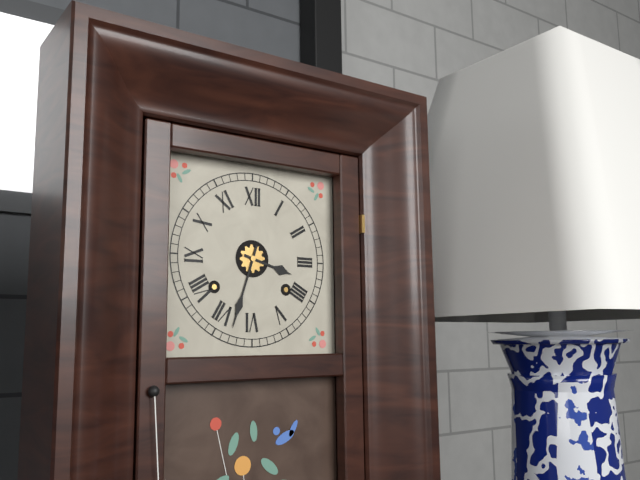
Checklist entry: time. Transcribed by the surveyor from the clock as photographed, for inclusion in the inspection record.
3:33
